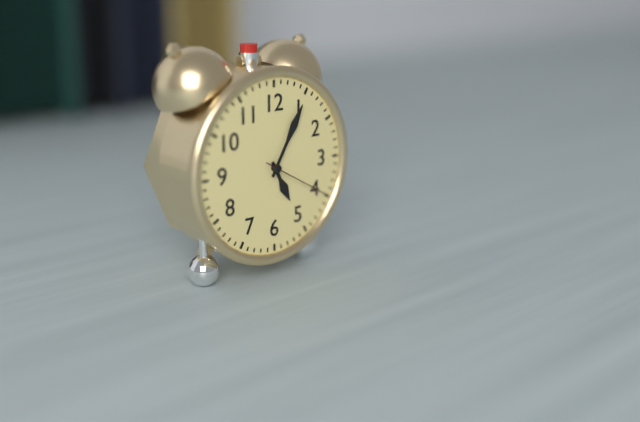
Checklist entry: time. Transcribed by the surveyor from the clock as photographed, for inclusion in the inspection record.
5:05:20
